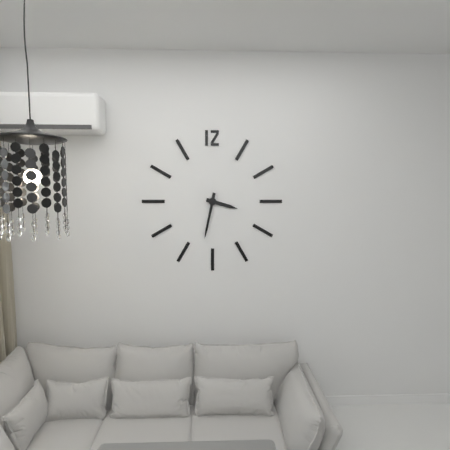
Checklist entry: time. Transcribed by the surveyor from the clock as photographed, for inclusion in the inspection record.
3:32
